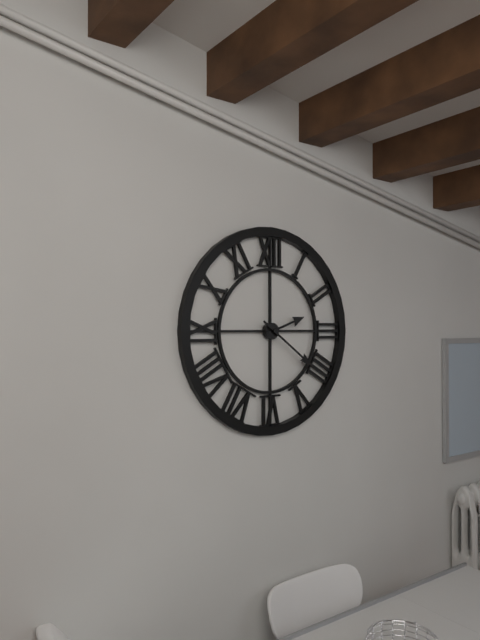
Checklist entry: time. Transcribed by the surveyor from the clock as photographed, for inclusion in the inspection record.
2:21
